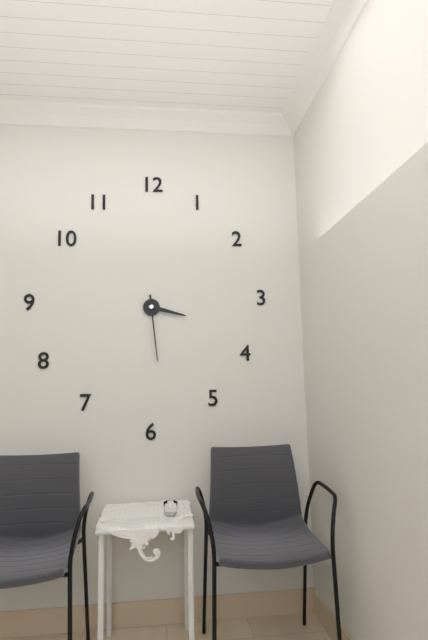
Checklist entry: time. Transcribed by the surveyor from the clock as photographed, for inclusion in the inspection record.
3:29
